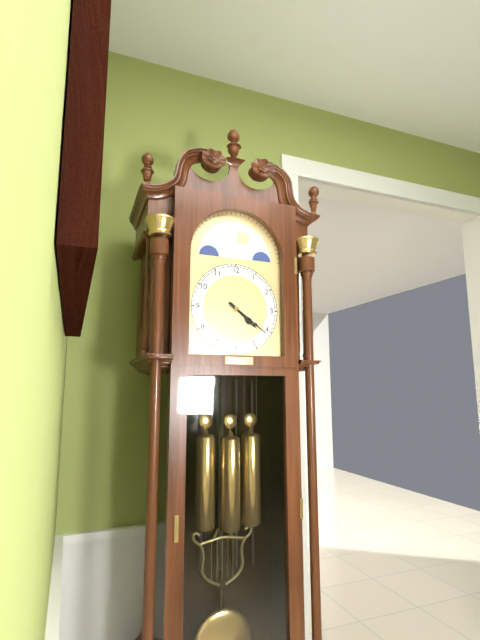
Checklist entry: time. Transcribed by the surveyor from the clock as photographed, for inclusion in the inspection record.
4:21
